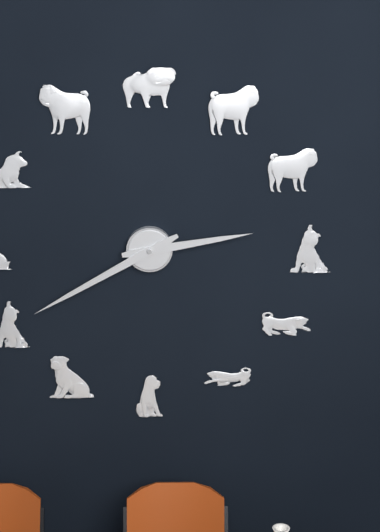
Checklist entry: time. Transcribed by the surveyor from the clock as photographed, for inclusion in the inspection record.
2:40
